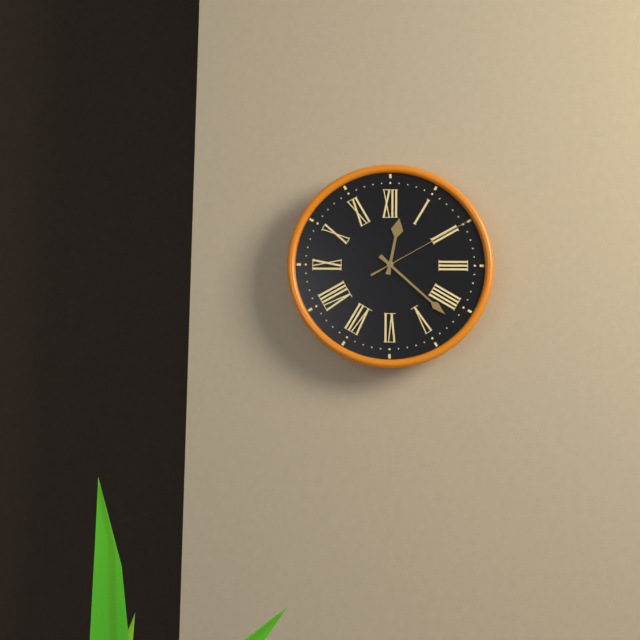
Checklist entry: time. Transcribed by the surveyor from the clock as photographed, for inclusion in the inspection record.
12:22:10
